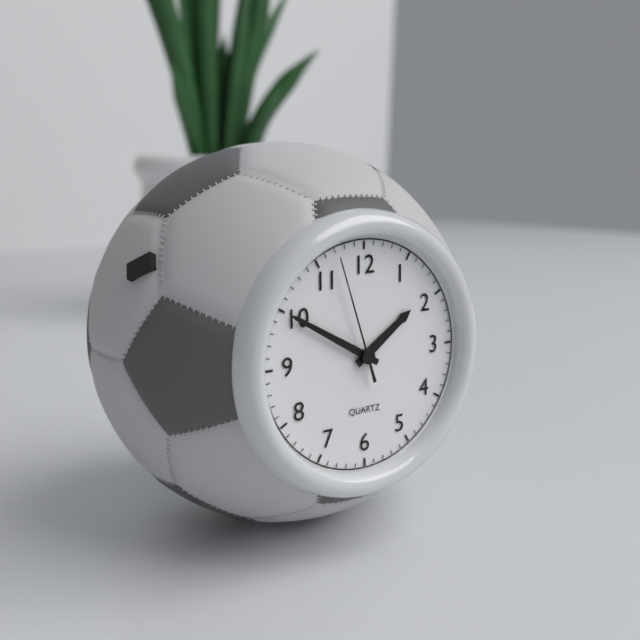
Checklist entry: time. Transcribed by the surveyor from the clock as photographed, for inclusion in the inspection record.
1:50:57
